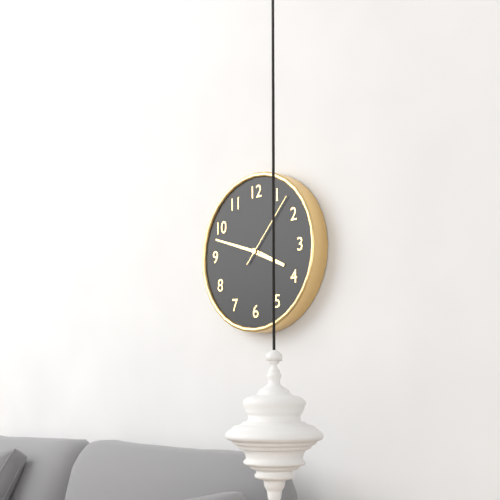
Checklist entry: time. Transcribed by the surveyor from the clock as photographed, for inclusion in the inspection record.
3:48:07
